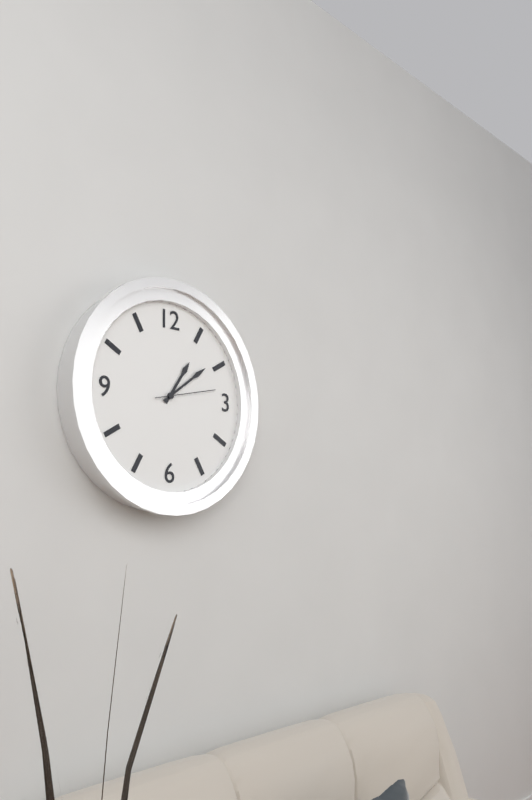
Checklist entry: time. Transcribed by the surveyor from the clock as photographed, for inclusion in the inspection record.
1:09:13
